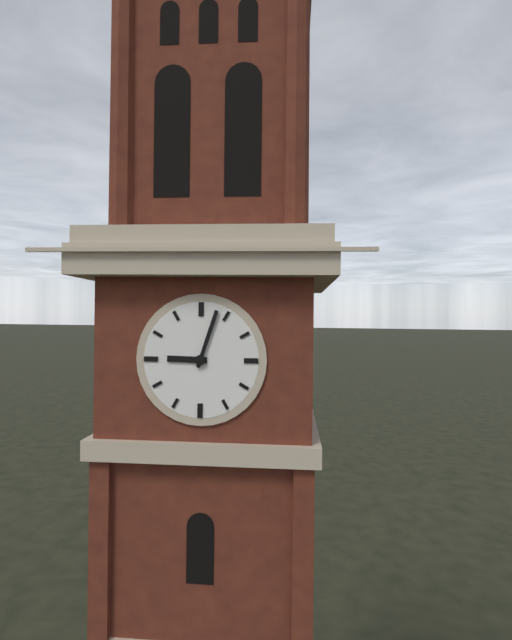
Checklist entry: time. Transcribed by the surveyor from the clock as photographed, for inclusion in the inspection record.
9:03
